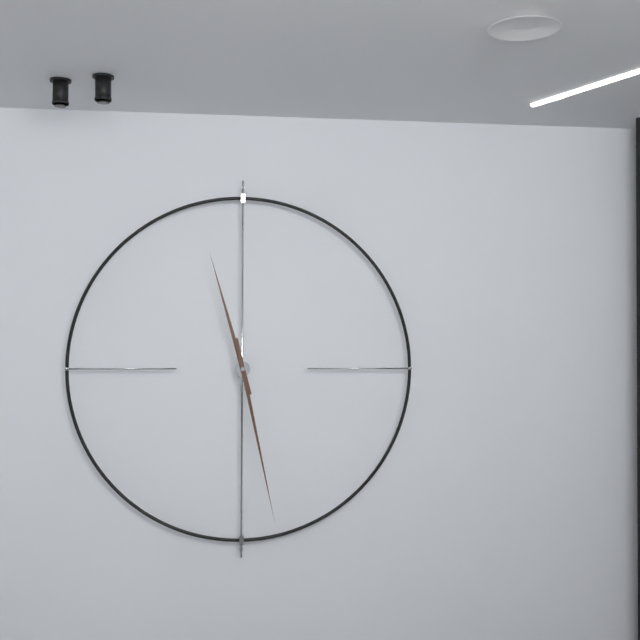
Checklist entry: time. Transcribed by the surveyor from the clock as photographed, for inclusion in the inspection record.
11:28
